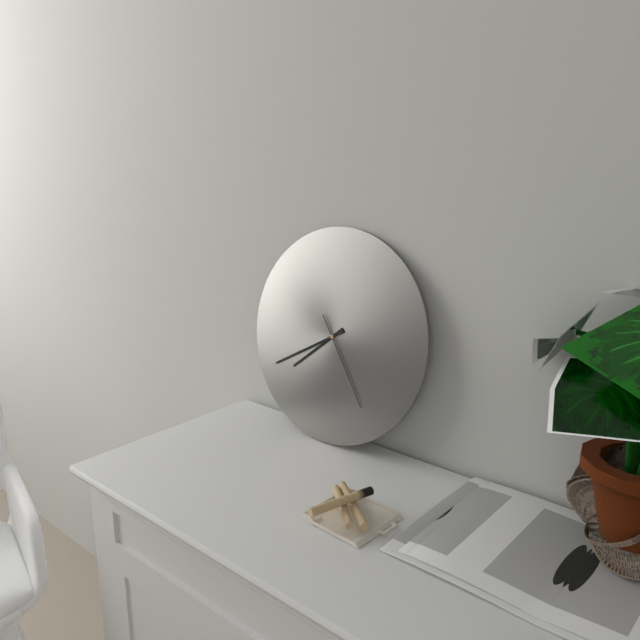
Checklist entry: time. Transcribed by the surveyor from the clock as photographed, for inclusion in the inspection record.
7:40:24
